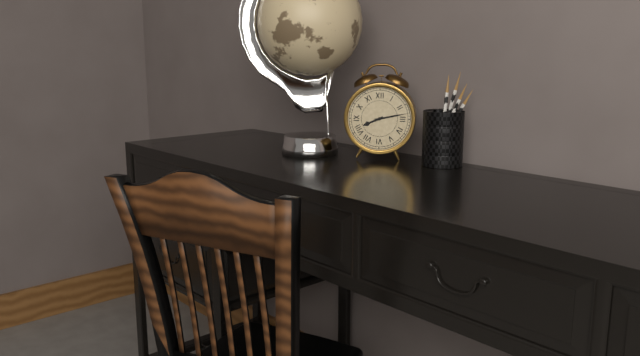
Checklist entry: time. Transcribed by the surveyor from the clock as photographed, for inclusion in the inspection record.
8:13
